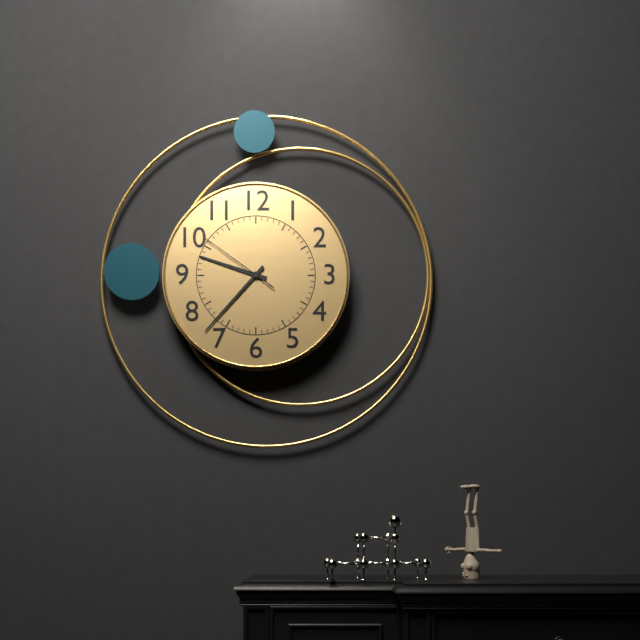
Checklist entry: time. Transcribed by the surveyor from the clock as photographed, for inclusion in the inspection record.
9:37:51
